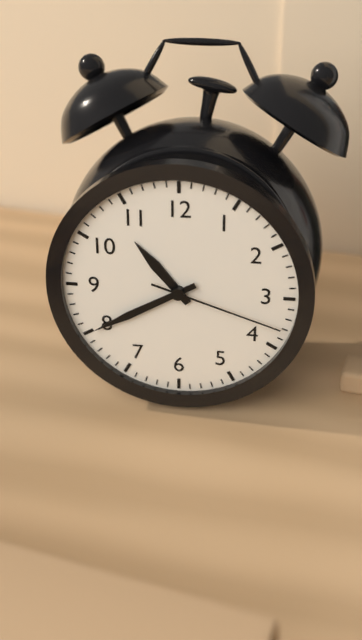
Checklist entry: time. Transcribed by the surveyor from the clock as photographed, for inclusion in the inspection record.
10:40:18
